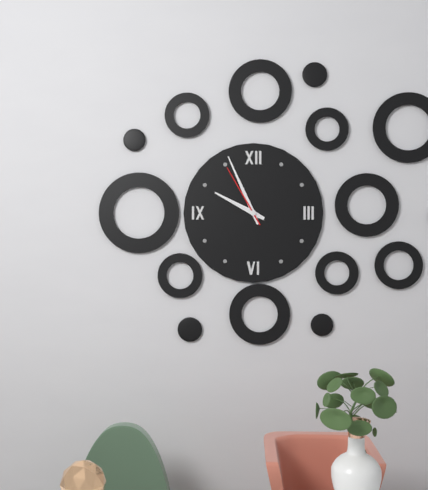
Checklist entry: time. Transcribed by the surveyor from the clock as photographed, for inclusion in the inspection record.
9:56:55
